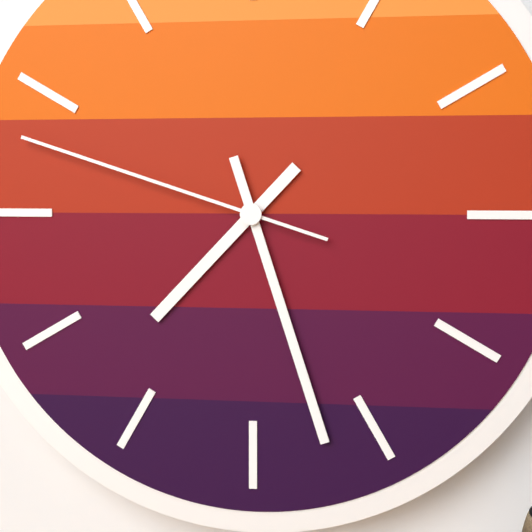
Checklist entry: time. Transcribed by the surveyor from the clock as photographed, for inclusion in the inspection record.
7:27:48
